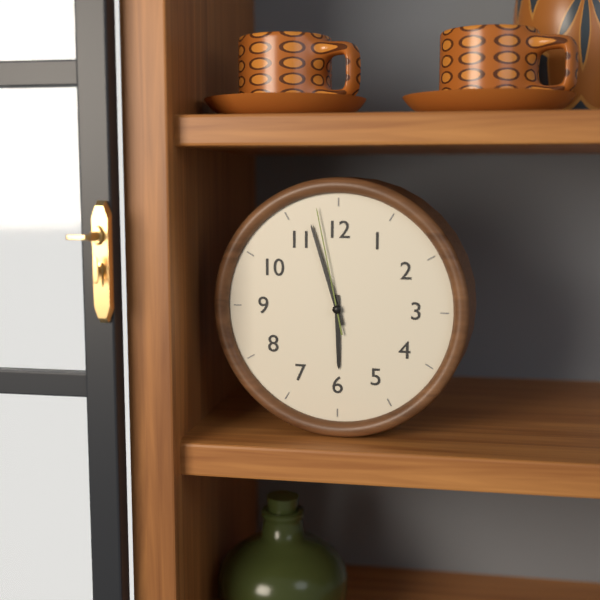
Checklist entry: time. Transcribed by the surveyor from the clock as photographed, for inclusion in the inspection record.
5:57:58
